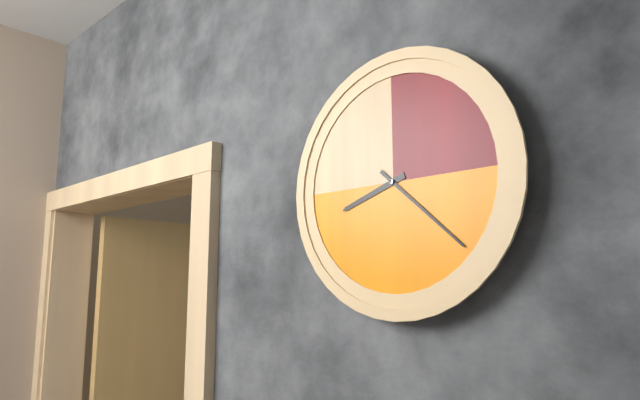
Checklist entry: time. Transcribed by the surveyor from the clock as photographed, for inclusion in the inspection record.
8:22
